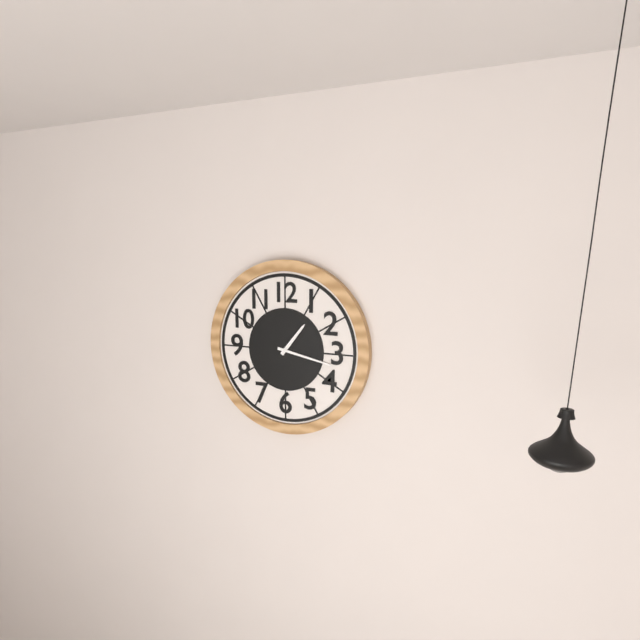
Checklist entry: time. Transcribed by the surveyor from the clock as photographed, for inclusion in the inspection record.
1:17
